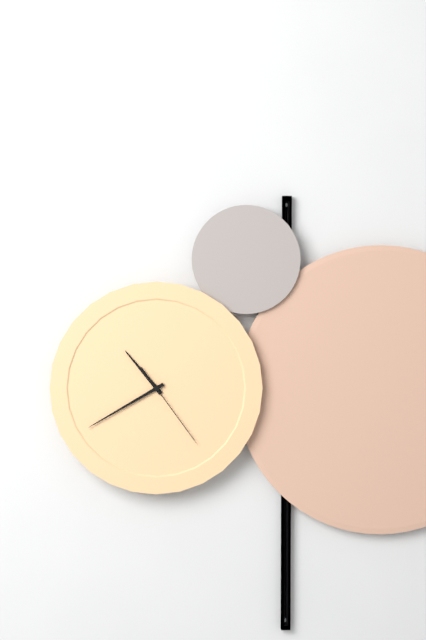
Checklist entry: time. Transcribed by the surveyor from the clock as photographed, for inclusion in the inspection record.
10:40:24
